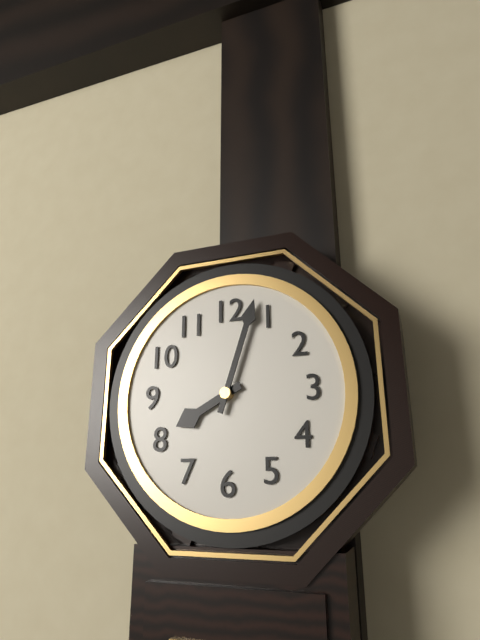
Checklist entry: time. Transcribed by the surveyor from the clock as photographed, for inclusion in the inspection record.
8:03
